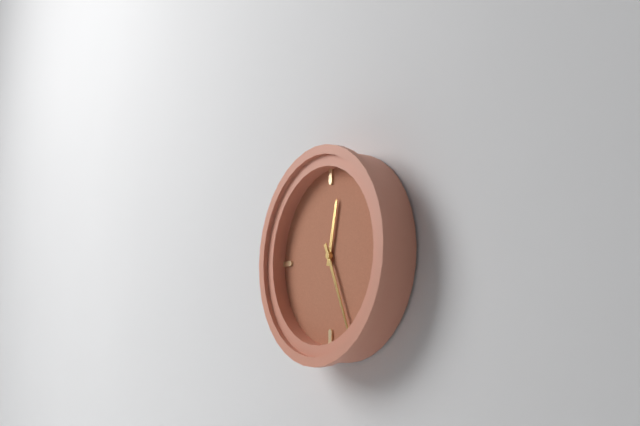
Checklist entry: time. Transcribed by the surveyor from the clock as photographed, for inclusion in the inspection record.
12:26
